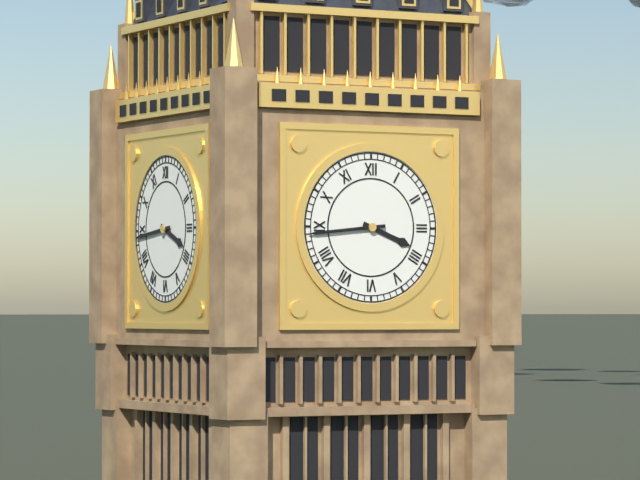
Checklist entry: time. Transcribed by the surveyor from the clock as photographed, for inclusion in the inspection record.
3:44
